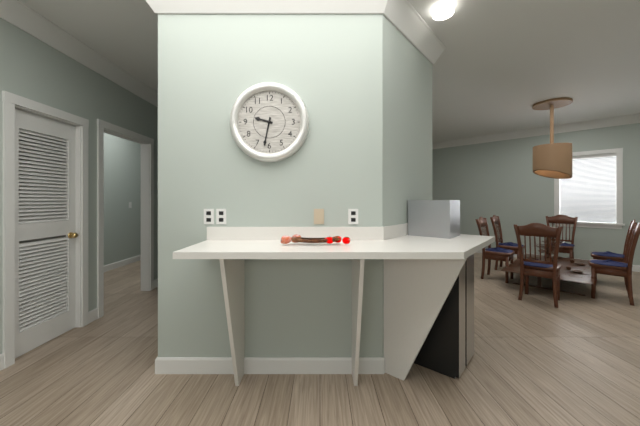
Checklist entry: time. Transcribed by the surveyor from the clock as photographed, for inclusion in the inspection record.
9:32
